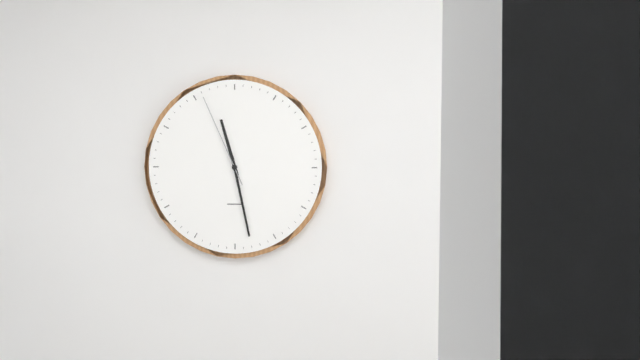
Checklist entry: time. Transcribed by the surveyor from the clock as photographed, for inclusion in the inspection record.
11:28:56
